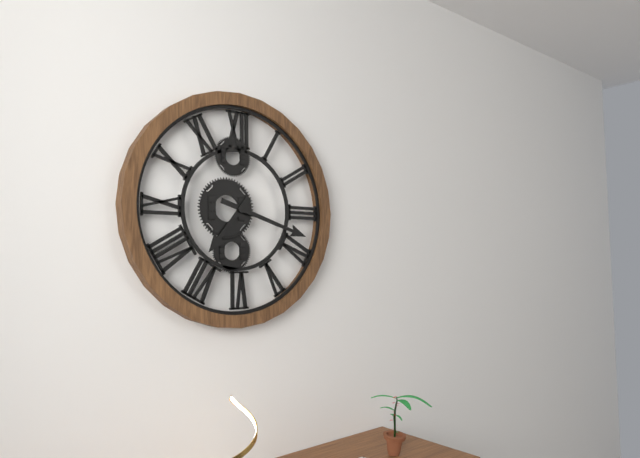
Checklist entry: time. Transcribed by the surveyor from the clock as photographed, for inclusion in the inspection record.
7:18
